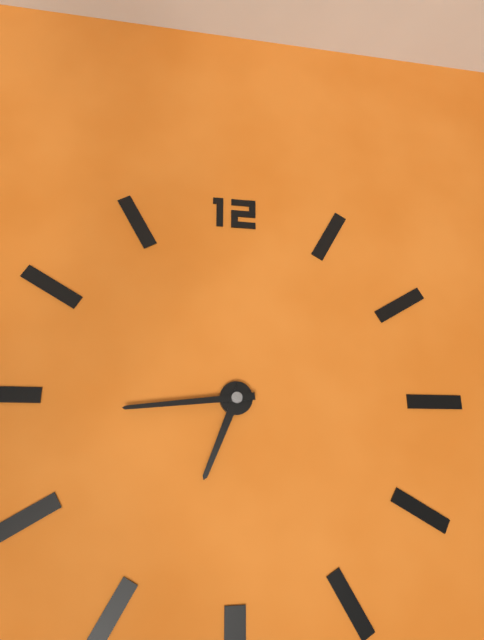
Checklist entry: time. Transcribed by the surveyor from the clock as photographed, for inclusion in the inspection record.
6:44
